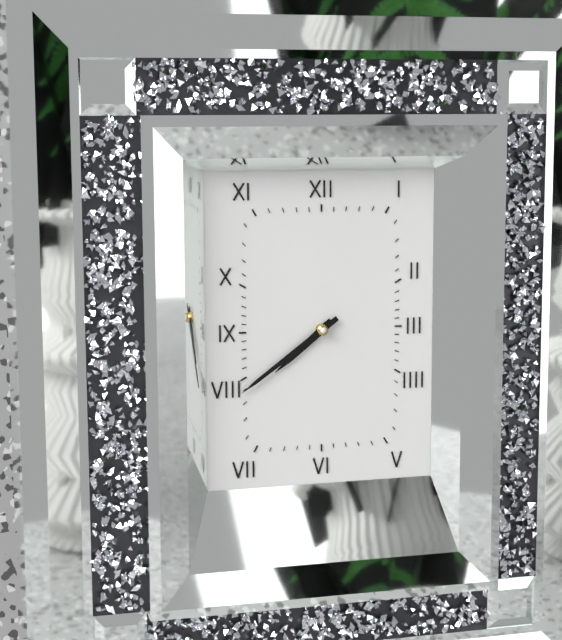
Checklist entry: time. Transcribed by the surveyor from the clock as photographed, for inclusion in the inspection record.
7:39
